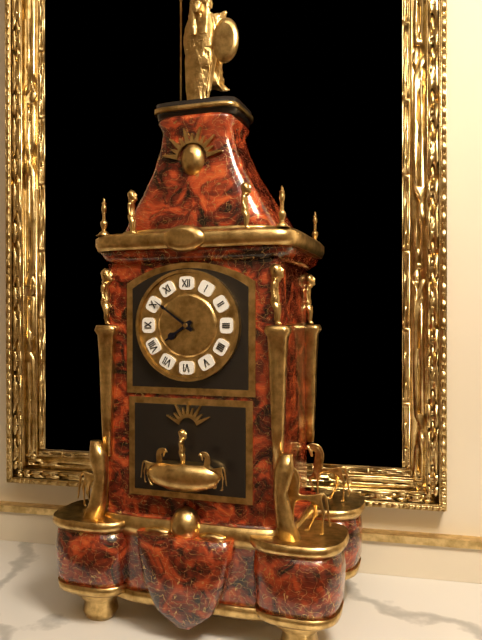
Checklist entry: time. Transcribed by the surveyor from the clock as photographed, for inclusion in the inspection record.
7:51
